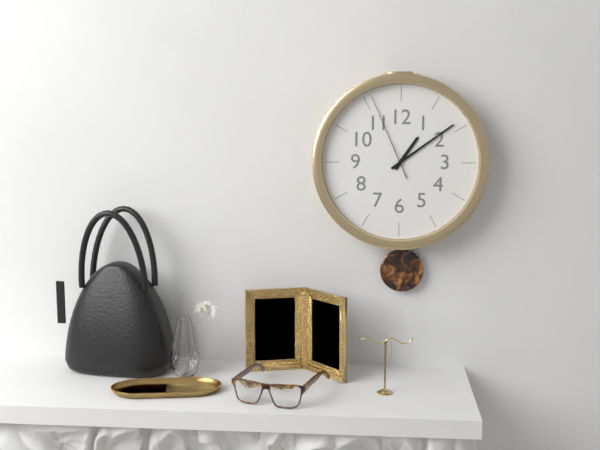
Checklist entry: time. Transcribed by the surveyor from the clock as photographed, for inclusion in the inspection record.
1:09:56
